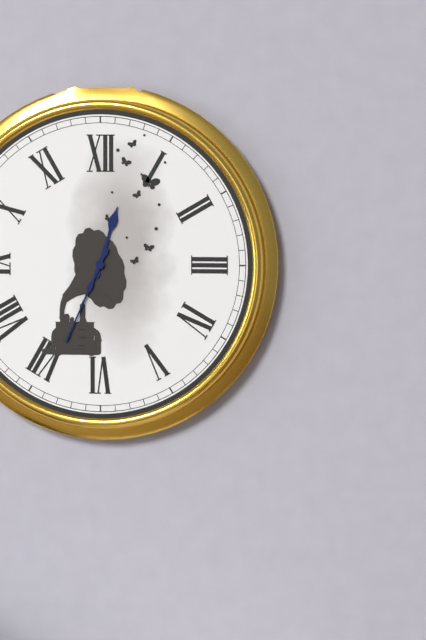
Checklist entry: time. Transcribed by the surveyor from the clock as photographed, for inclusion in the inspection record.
12:34
